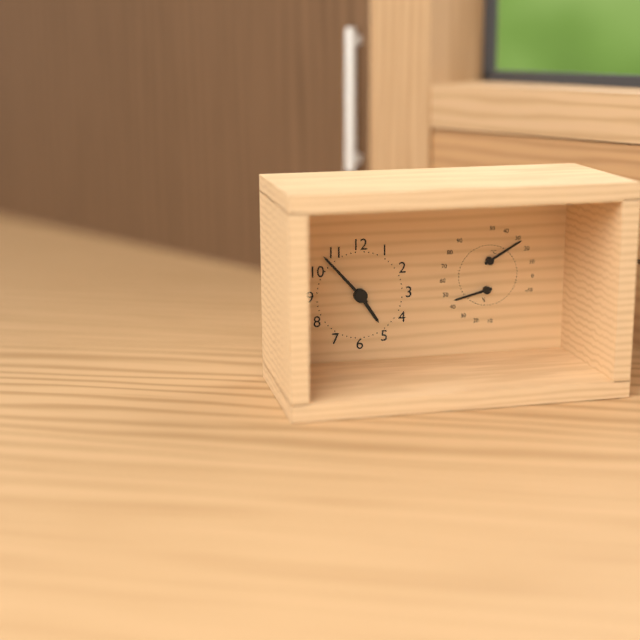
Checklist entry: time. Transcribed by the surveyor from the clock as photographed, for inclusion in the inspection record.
4:53
